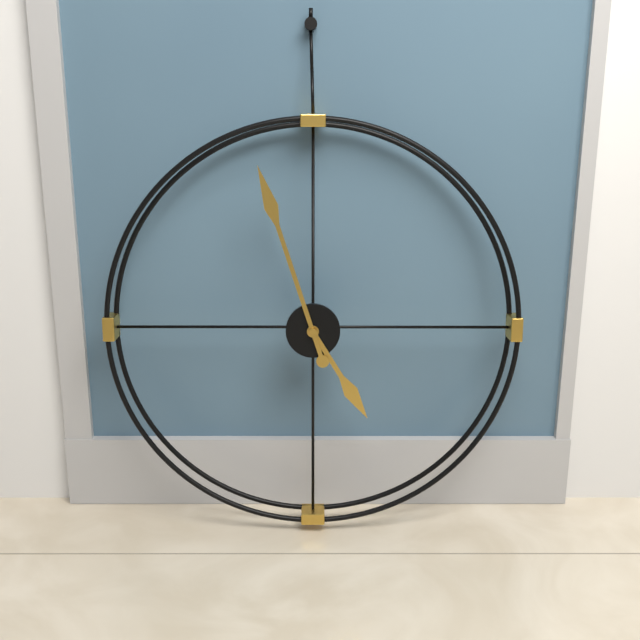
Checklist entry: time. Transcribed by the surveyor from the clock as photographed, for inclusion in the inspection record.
4:57
